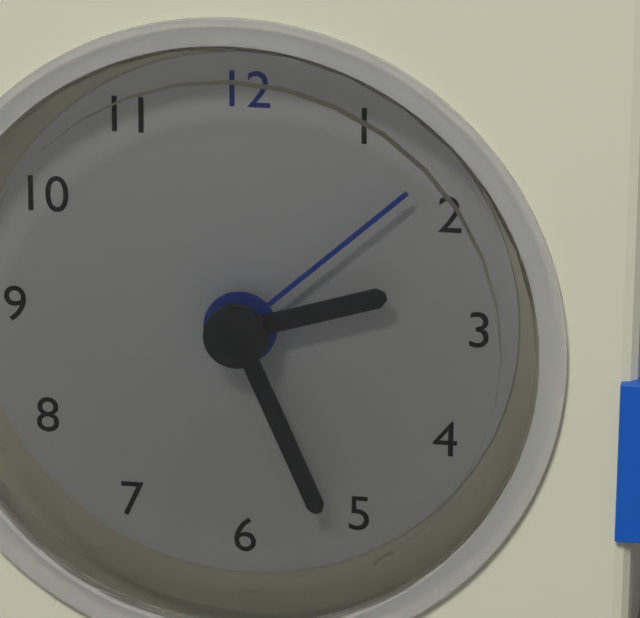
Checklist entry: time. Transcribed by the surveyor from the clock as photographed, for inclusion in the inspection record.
2:26:08
